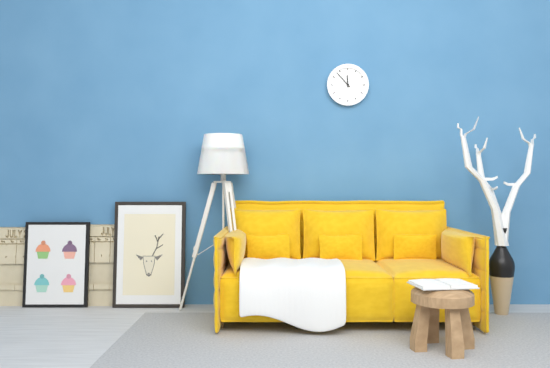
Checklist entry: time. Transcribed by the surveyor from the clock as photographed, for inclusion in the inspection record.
11:53
